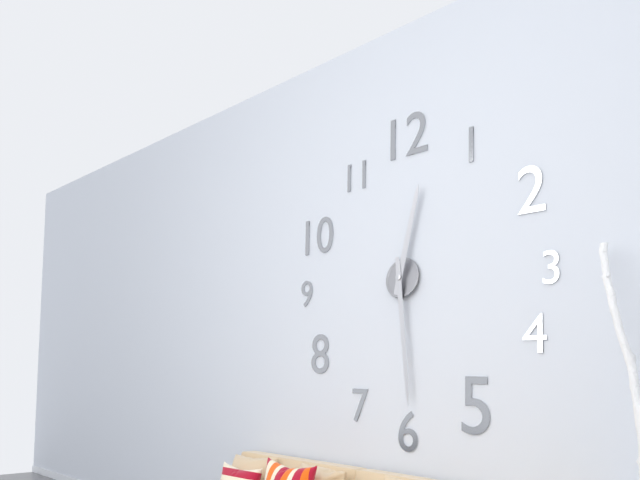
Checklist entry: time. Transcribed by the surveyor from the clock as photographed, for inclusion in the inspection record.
12:29
